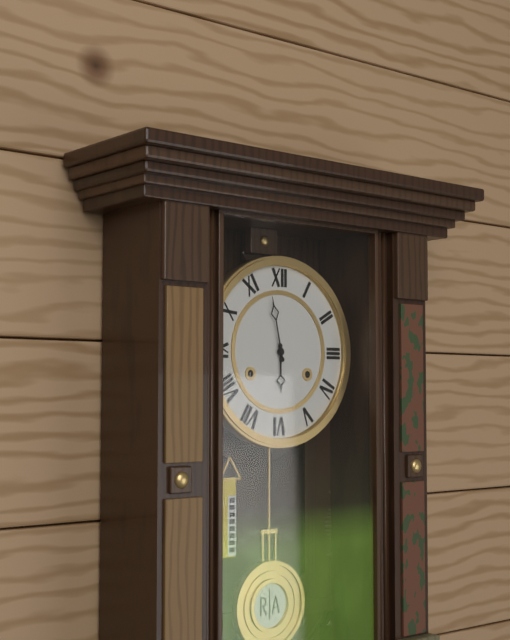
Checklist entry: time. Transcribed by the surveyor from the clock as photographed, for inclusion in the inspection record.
5:58
